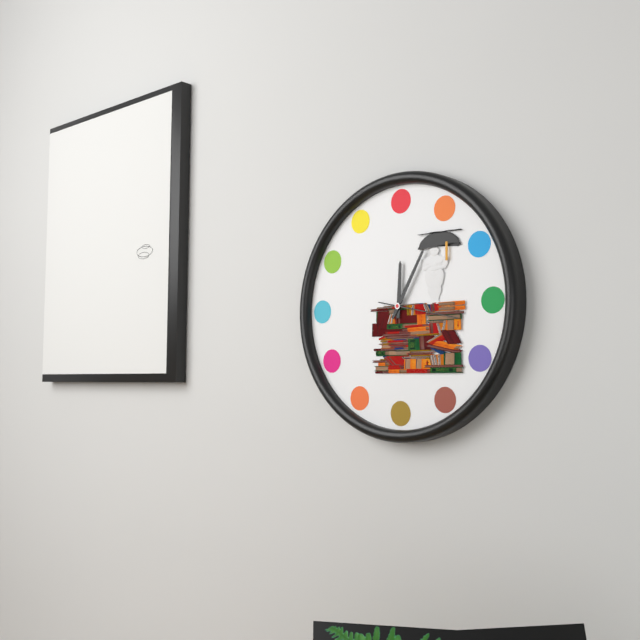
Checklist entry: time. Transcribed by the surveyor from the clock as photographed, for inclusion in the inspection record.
12:05:17
